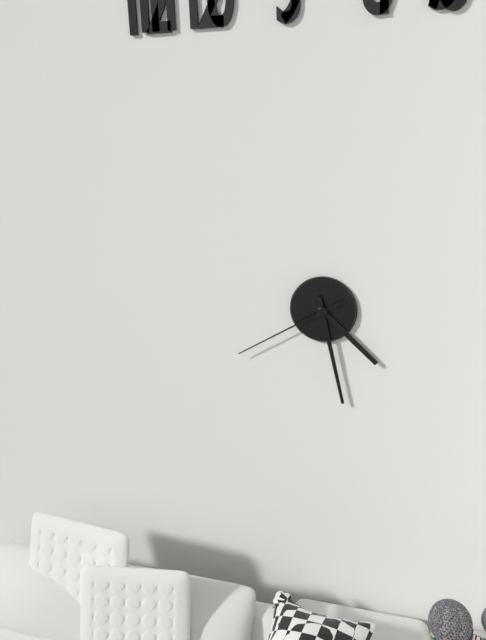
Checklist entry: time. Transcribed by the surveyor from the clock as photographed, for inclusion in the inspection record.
4:28:40
